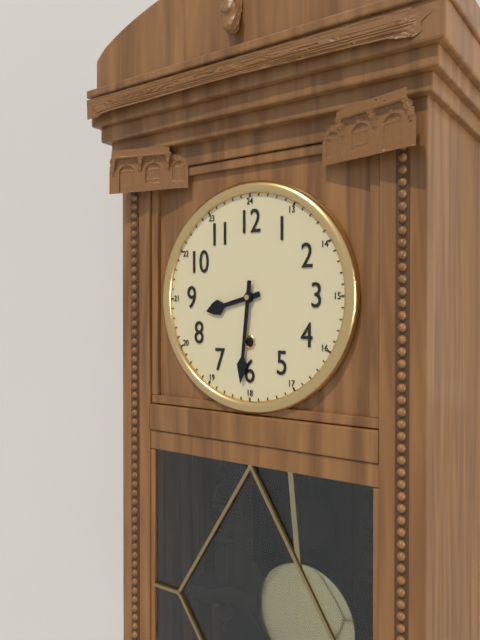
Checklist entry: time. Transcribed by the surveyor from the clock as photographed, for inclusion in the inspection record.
8:31
